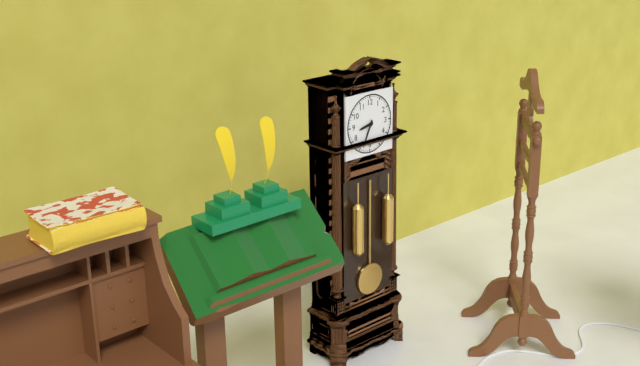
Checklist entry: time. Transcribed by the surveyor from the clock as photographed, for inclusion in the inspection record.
8:34
